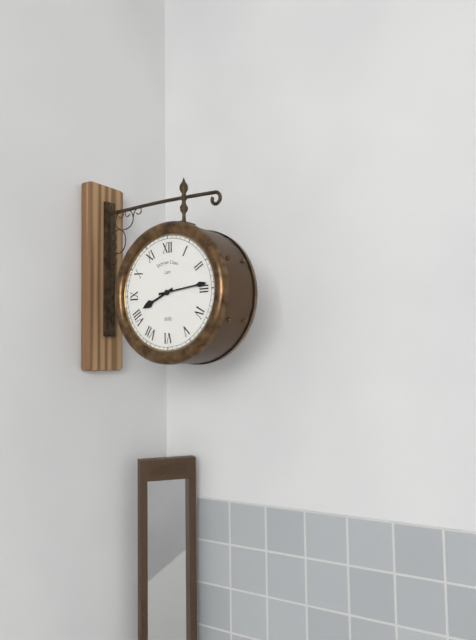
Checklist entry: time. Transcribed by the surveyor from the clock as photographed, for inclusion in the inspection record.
8:14
